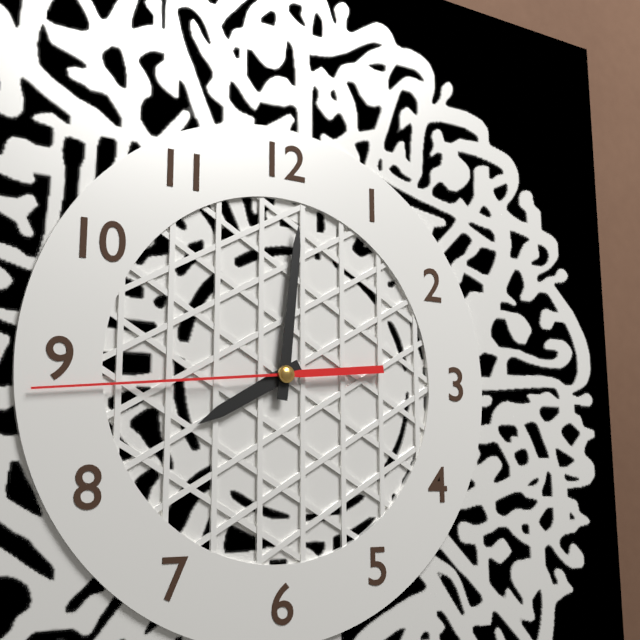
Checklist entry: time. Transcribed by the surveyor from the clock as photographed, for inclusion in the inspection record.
8:01:44
